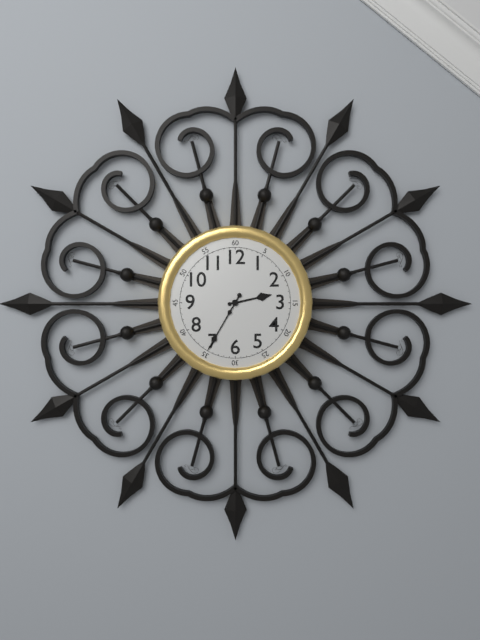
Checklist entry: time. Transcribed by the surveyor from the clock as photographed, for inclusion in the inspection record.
2:35
